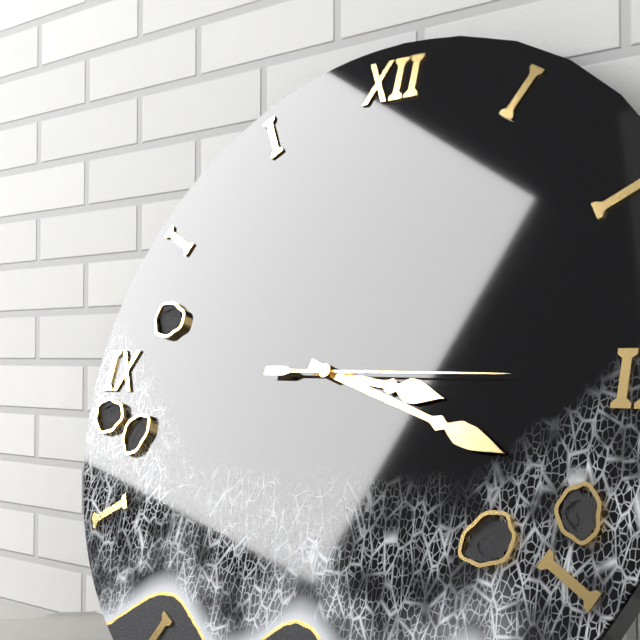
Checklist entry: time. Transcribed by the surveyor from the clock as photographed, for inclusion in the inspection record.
3:18:15
